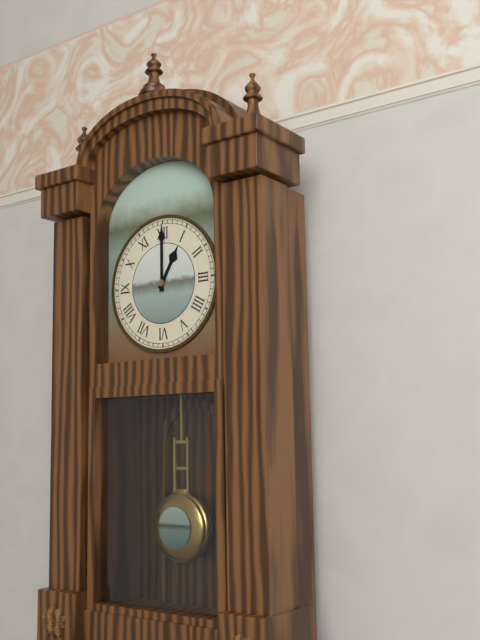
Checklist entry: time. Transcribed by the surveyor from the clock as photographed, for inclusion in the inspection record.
1:00
